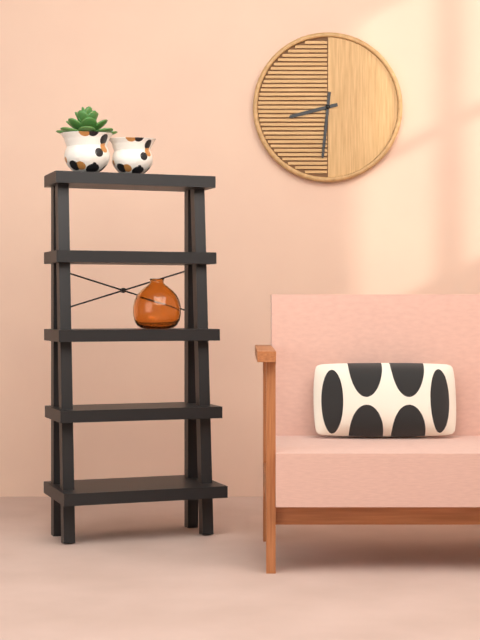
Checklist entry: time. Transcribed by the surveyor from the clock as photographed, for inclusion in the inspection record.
8:31
